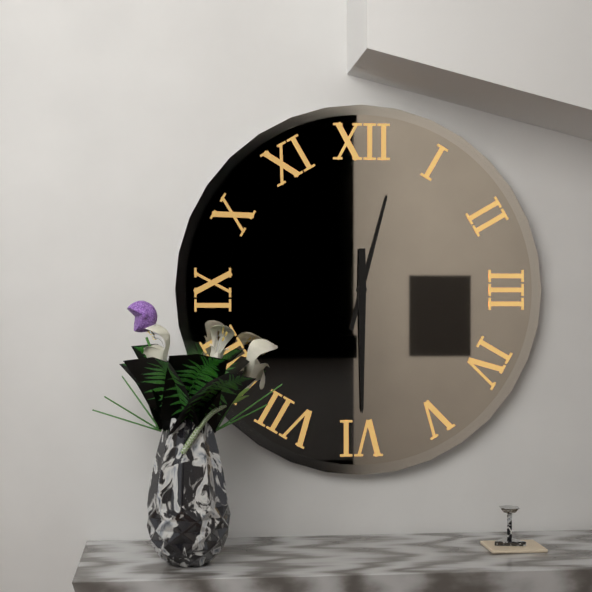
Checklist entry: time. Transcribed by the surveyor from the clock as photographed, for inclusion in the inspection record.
12:30
